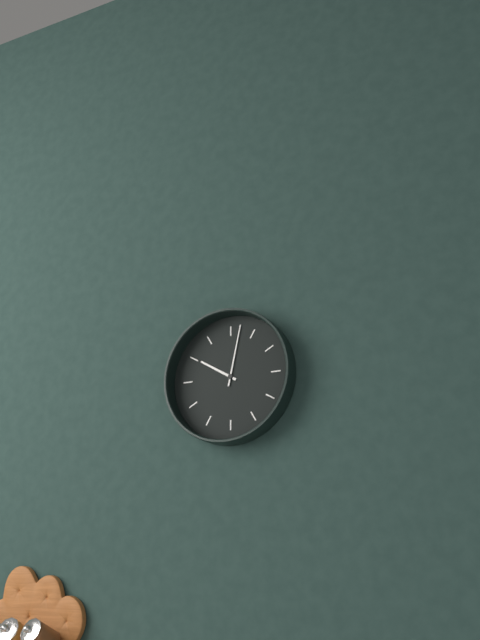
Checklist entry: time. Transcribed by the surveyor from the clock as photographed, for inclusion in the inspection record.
10:02
